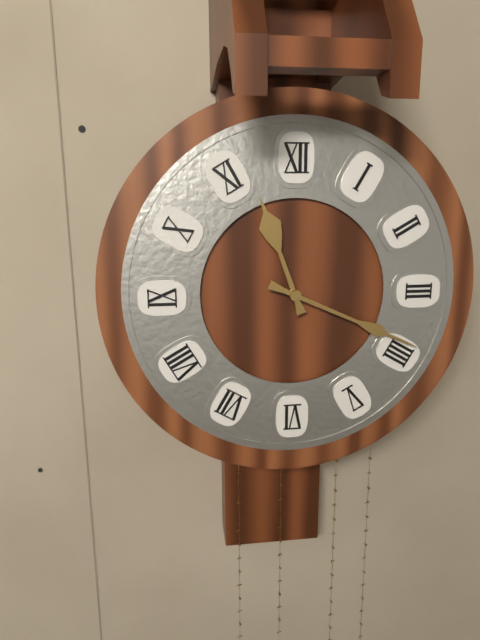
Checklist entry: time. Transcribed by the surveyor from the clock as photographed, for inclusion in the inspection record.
11:19
